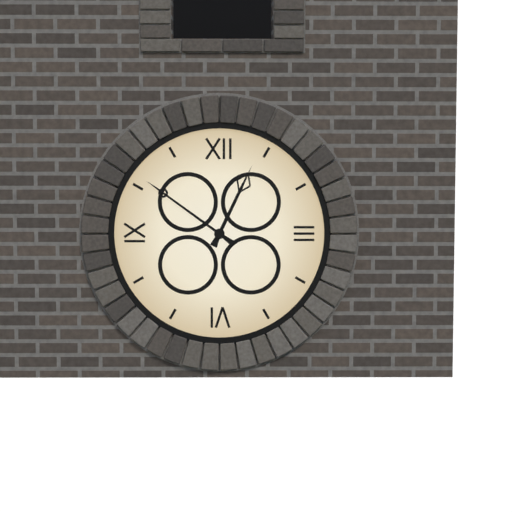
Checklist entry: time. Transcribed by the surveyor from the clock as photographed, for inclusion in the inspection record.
12:51
